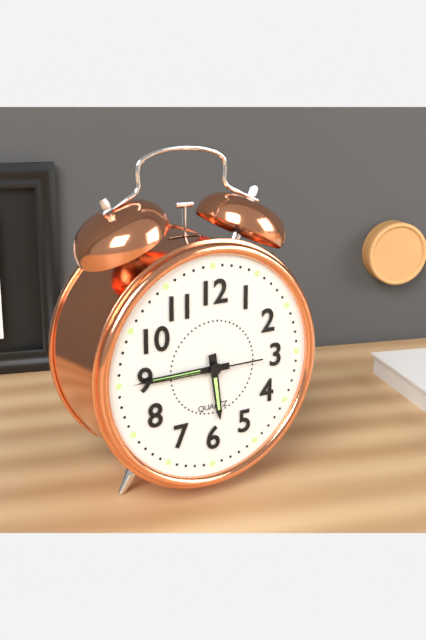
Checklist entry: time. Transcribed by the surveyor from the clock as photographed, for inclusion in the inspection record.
5:45:45
